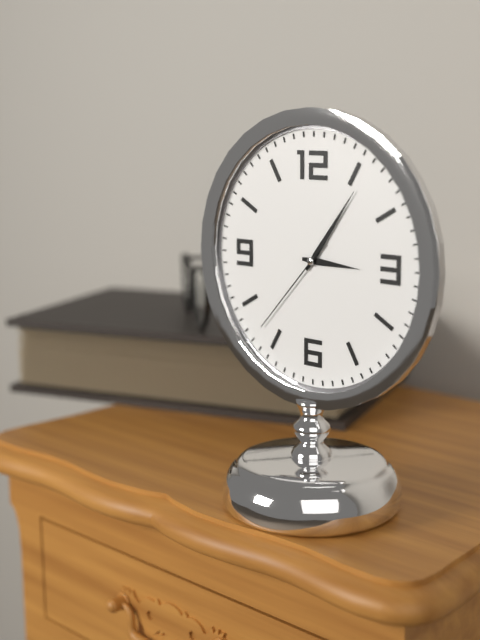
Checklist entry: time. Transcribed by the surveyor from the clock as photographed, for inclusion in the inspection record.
3:06:37
